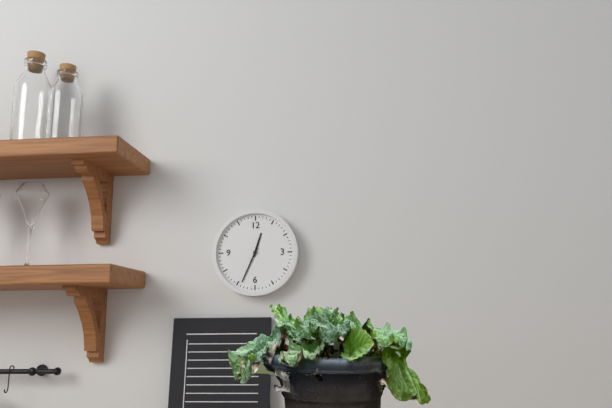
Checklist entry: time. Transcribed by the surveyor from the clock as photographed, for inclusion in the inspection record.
12:34
